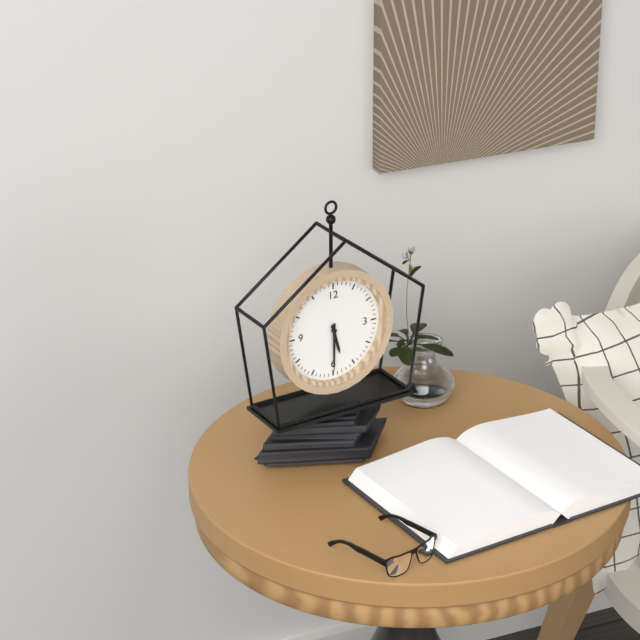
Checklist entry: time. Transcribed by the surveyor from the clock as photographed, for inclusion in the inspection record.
5:30
